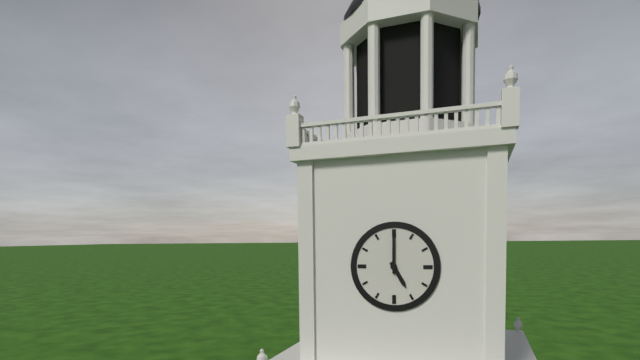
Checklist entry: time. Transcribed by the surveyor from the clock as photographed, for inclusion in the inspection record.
5:00
